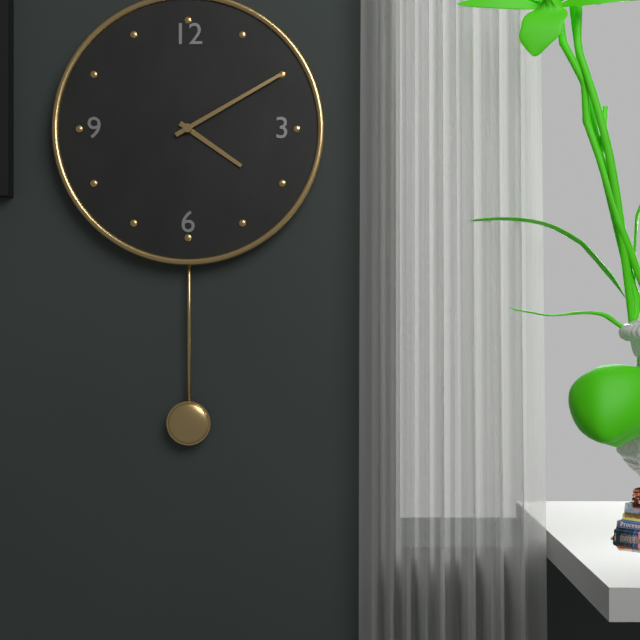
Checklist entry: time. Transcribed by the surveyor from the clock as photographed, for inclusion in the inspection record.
4:10
